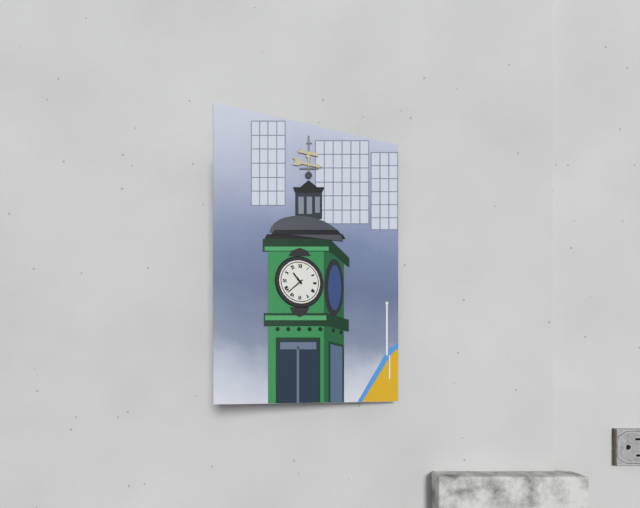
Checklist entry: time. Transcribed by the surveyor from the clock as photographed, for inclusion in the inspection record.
10:38
